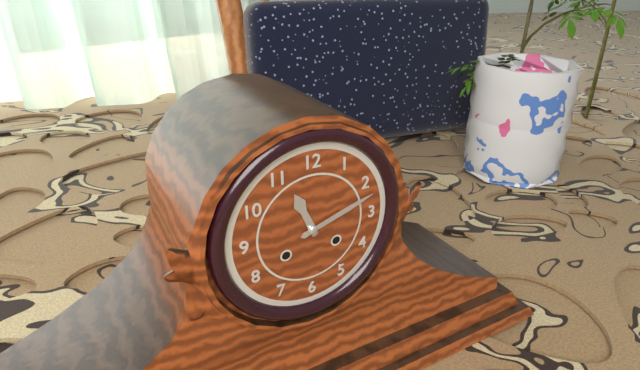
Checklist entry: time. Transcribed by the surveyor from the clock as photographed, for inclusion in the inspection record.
11:12
